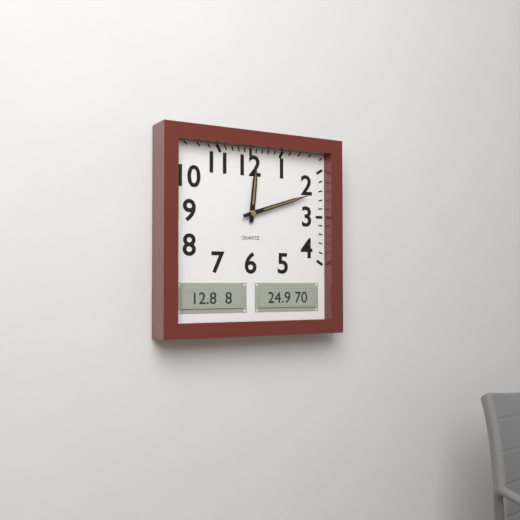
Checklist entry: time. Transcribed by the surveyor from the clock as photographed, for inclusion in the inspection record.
12:12
